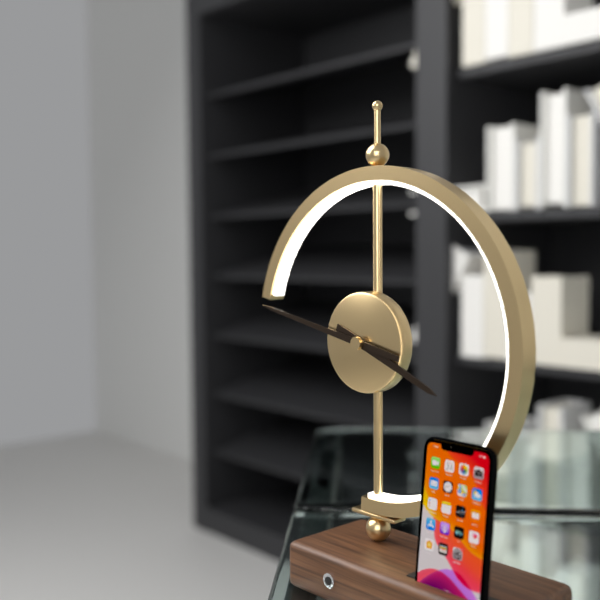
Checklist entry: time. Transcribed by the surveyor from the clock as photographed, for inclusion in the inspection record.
3:47
